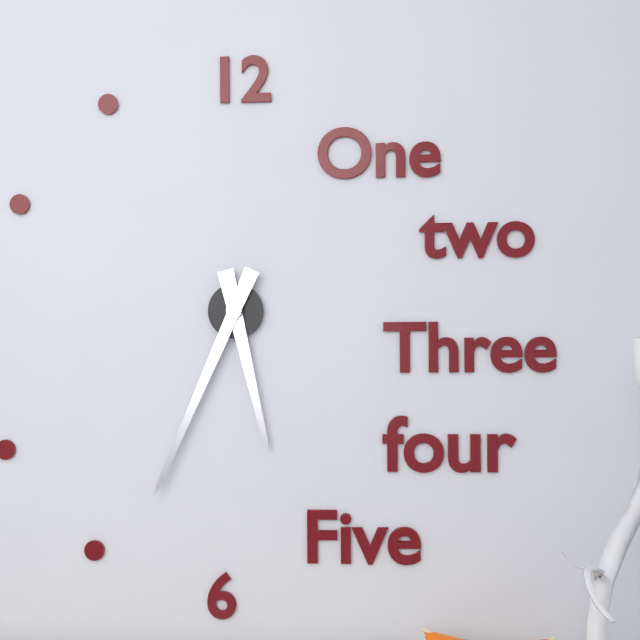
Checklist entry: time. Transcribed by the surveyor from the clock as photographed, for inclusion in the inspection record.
5:34
